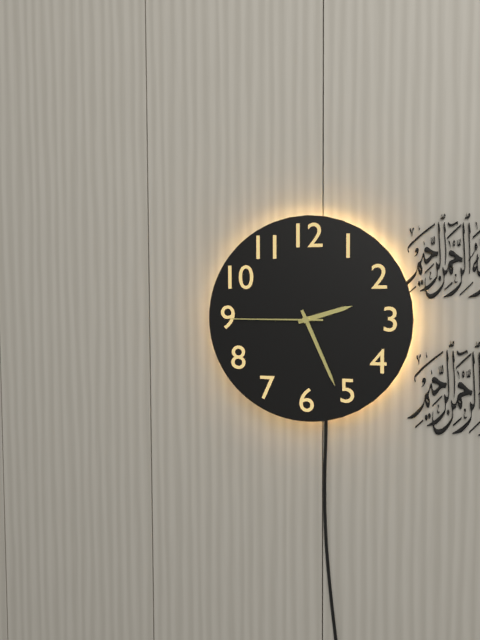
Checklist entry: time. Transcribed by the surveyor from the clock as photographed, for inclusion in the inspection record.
2:26:45
